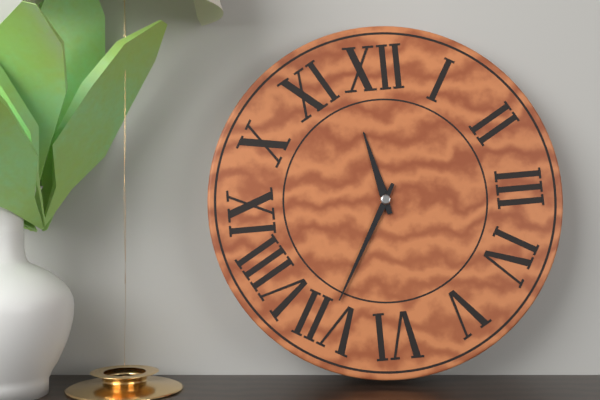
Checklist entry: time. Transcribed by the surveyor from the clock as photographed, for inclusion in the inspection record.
11:35
